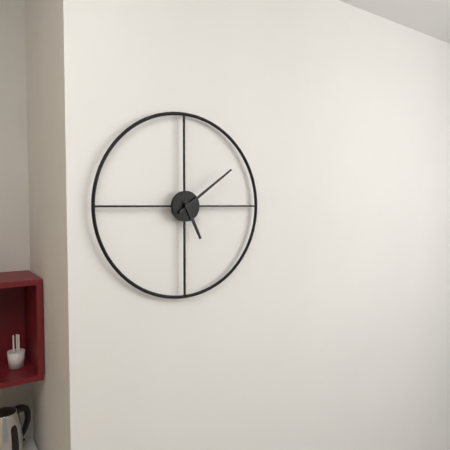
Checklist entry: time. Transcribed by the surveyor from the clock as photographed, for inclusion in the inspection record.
5:09
